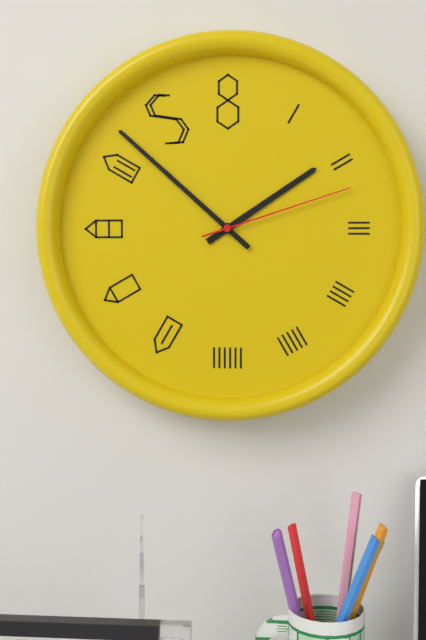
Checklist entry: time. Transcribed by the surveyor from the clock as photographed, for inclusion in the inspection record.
1:52:12
